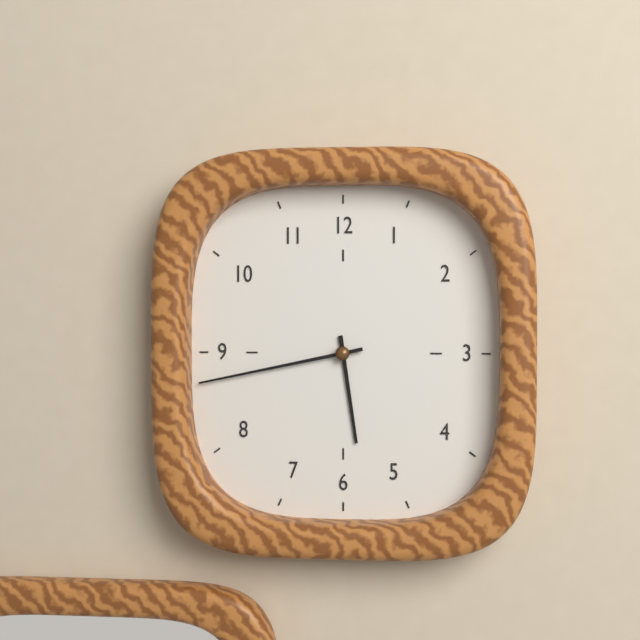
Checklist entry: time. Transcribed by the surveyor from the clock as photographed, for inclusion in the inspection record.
5:43
